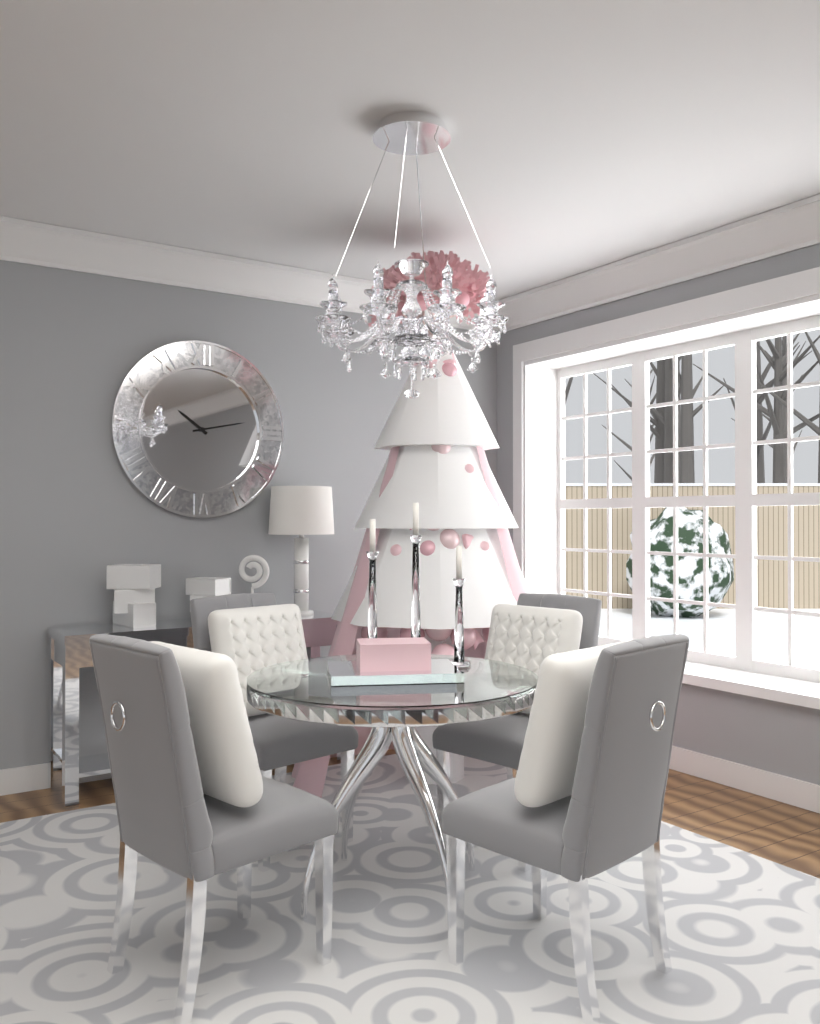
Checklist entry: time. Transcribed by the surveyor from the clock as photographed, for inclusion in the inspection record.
10:13
